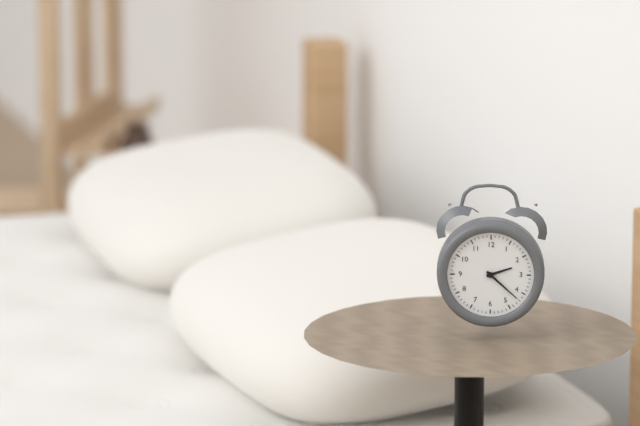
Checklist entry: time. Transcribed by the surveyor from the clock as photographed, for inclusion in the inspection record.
2:22
